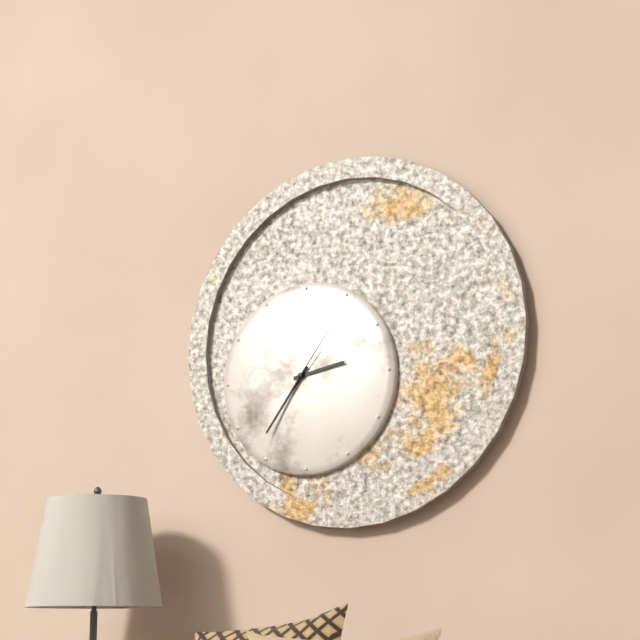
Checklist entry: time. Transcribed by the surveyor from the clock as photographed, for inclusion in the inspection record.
2:36:06
